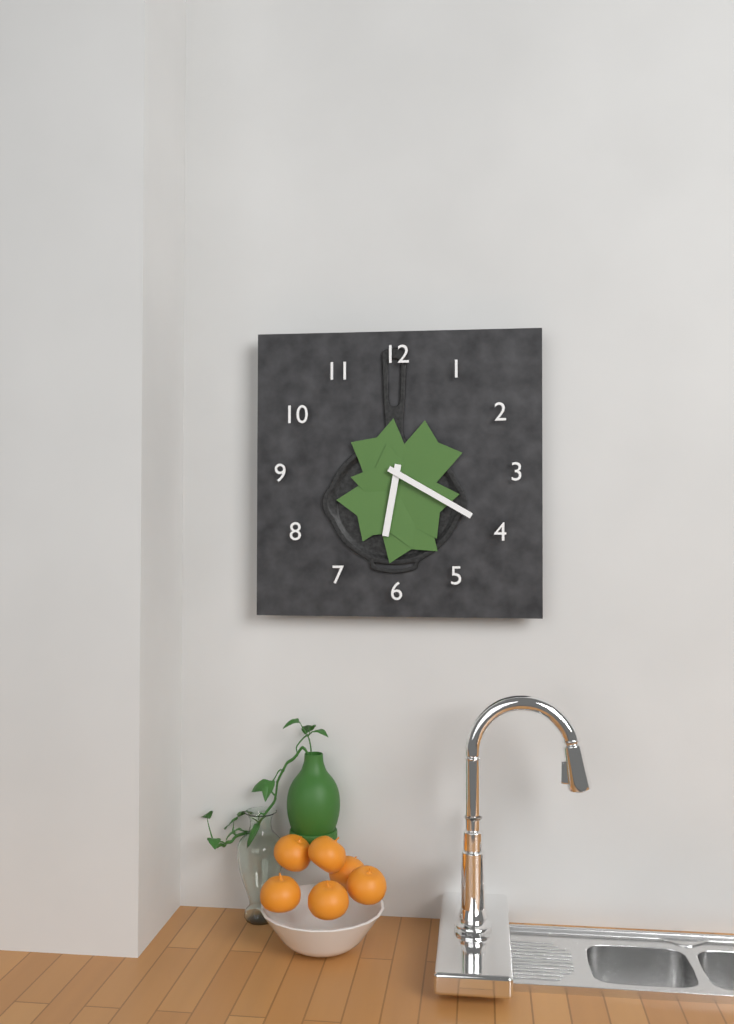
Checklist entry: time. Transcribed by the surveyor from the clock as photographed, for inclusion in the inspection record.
6:20
